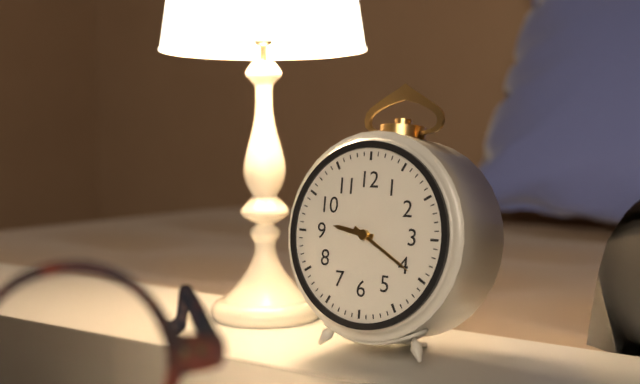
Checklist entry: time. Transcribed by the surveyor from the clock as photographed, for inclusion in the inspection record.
9:20
